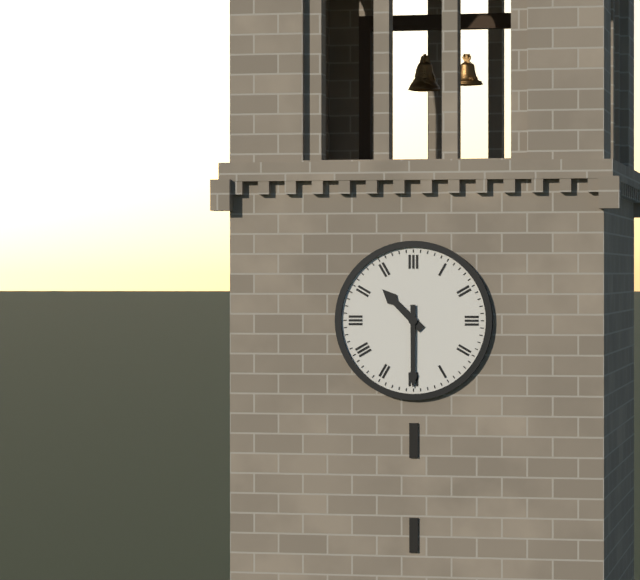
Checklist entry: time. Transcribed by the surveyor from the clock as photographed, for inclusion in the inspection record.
10:30
